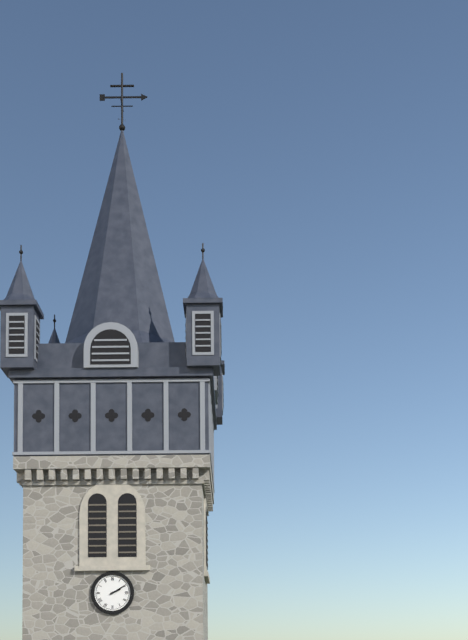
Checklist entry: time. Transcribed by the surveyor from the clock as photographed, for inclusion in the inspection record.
2:10
